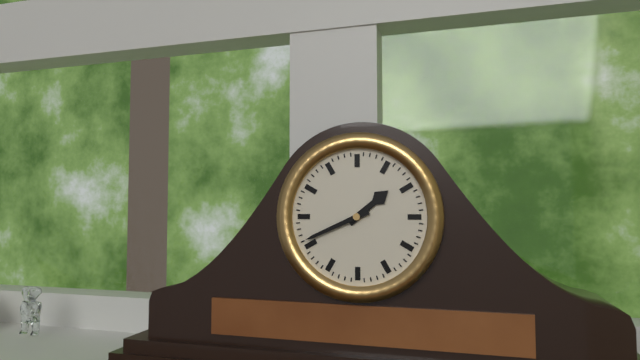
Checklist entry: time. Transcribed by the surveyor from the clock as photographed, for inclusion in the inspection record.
1:41
